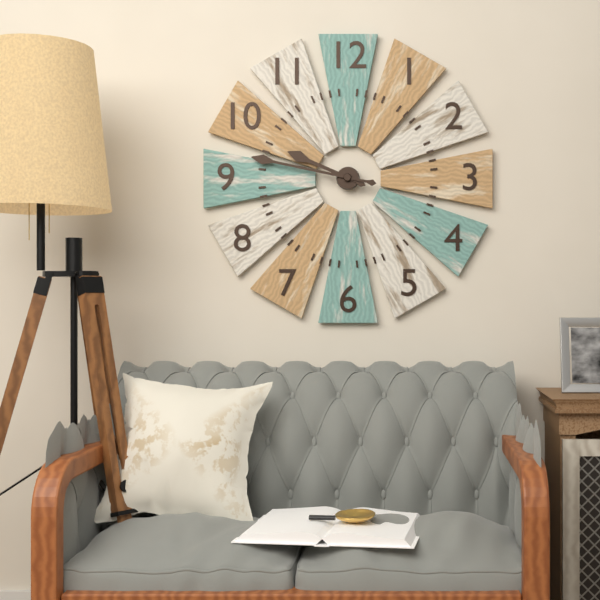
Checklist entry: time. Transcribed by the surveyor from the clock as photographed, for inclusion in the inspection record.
9:47
